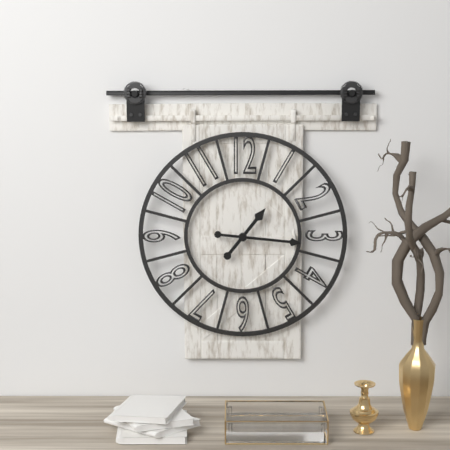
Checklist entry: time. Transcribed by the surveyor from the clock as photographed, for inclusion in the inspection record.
1:16
